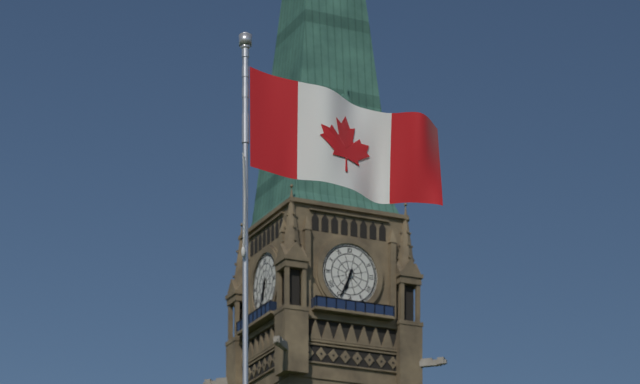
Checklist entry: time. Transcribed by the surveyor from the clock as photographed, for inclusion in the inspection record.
6:34
